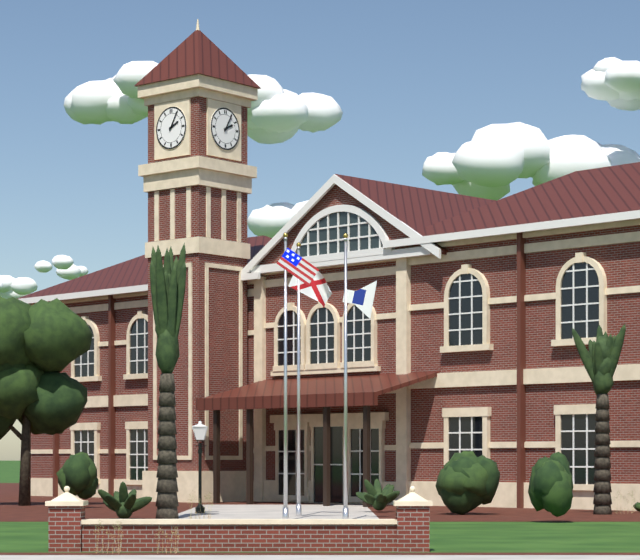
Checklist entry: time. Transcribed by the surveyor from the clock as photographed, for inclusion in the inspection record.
2:05
